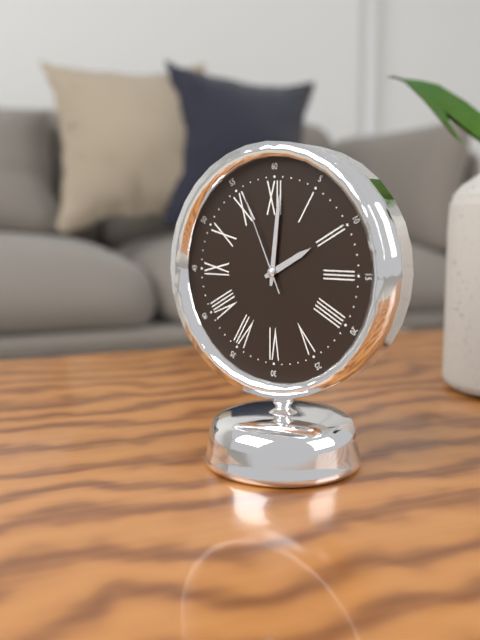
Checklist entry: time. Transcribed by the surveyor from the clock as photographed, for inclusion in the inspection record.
2:01:56
